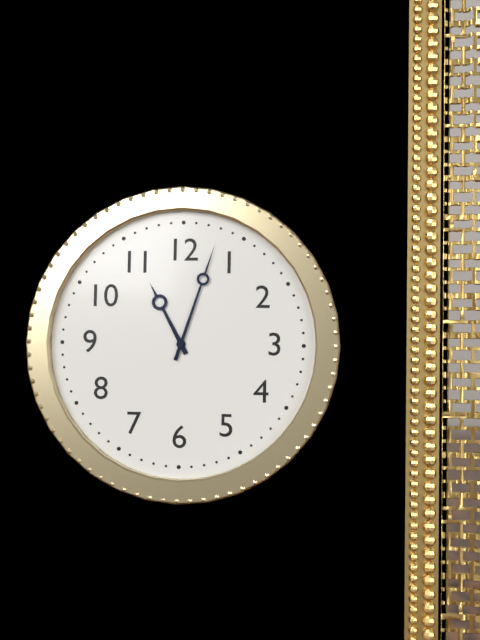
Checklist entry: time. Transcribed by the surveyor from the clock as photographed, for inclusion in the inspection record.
11:03
